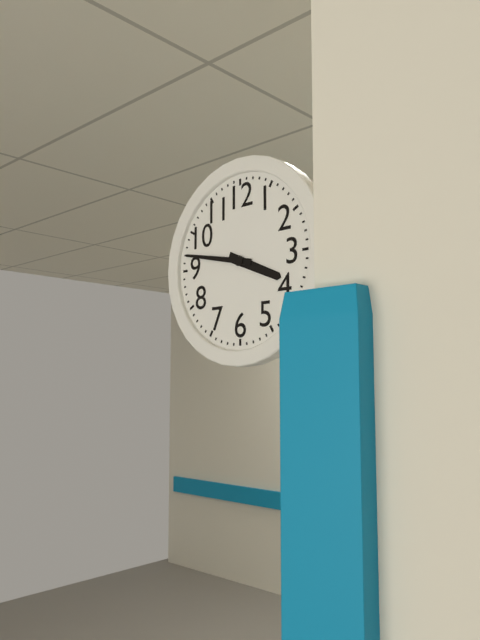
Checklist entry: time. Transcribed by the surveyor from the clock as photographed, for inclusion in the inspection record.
3:47
